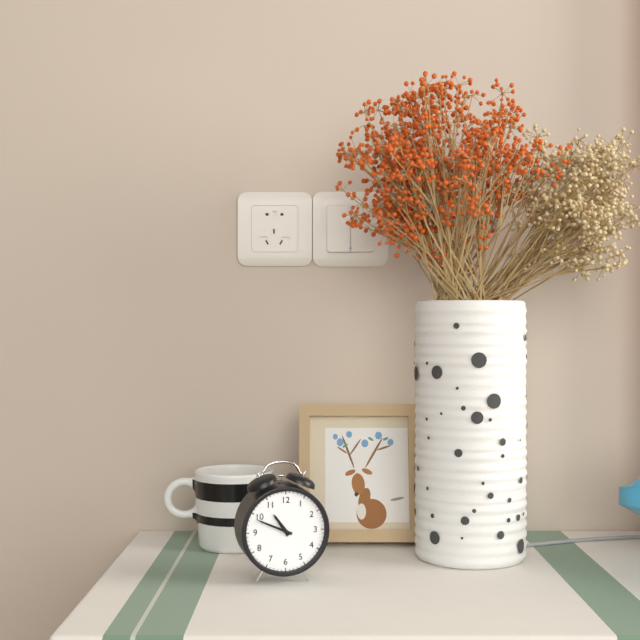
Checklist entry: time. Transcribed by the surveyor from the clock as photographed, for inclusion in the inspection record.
10:49
